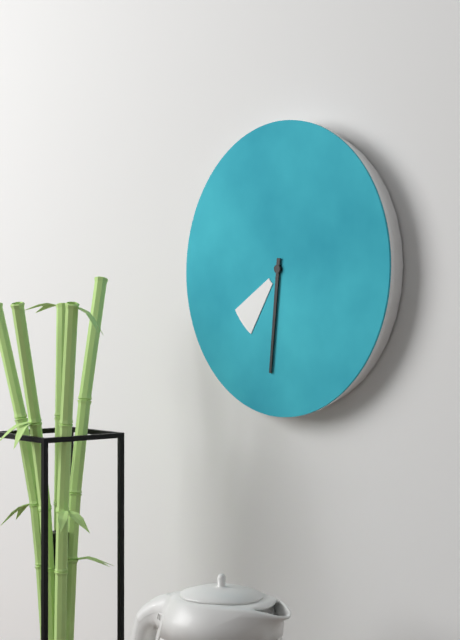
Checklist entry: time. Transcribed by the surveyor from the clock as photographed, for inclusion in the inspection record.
7:31
